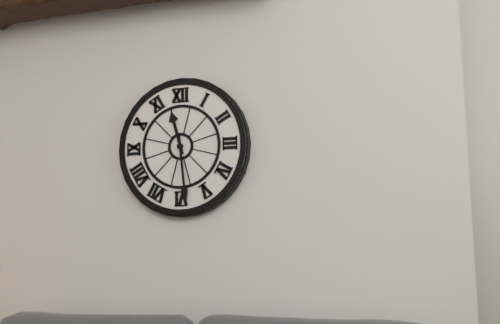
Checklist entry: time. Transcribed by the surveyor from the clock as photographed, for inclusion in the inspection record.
11:29
